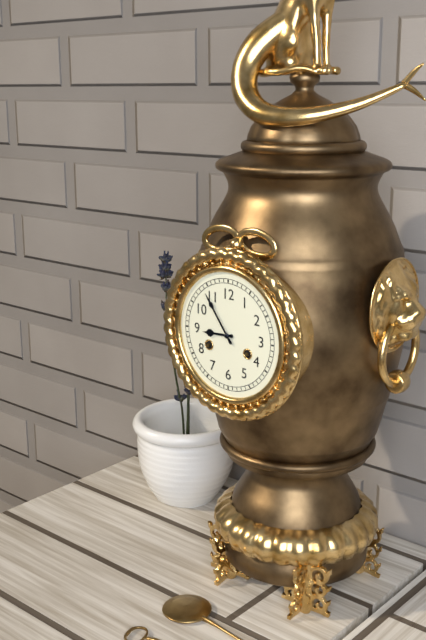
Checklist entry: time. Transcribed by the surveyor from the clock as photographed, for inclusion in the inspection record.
8:54
